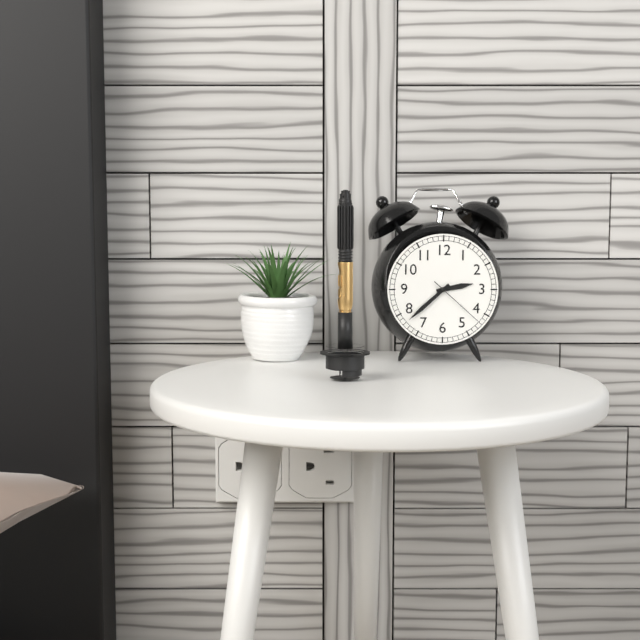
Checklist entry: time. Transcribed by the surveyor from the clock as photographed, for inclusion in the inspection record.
2:38:22
